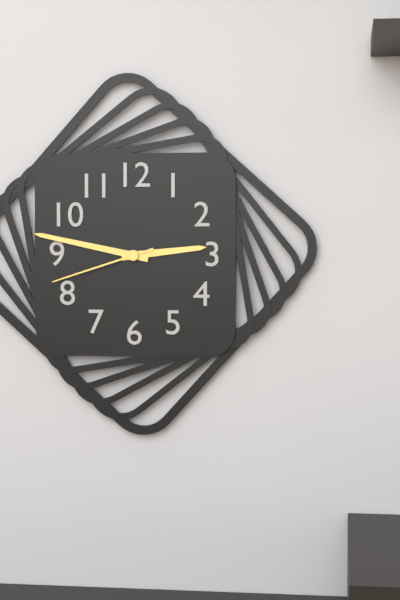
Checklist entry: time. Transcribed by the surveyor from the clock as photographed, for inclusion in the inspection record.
2:47:42
